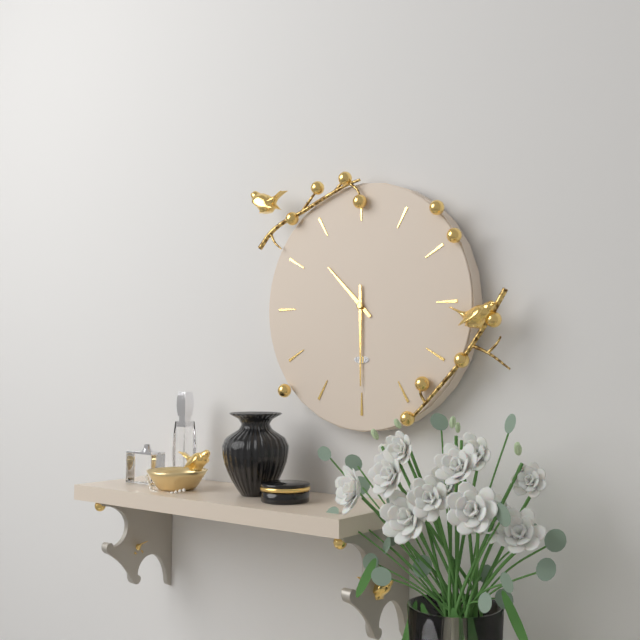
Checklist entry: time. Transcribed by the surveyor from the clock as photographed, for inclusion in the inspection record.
10:30
